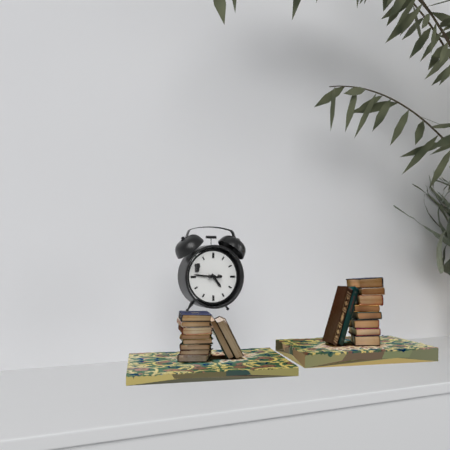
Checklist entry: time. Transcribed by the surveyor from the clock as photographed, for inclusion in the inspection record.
4:46
